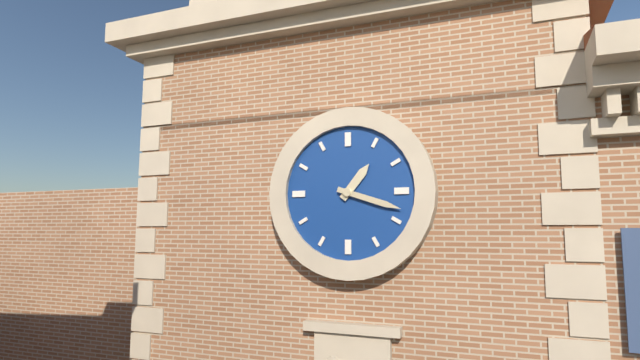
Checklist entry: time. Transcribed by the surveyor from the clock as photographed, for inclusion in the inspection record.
1:18
